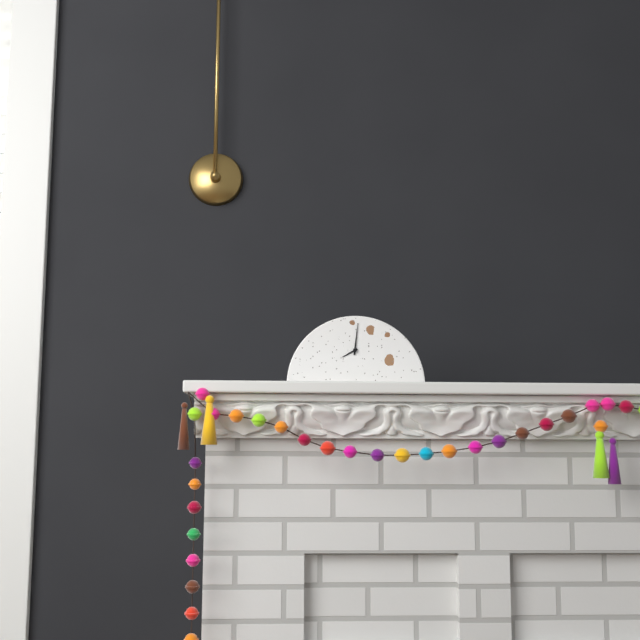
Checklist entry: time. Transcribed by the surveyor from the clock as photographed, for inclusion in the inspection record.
8:01
